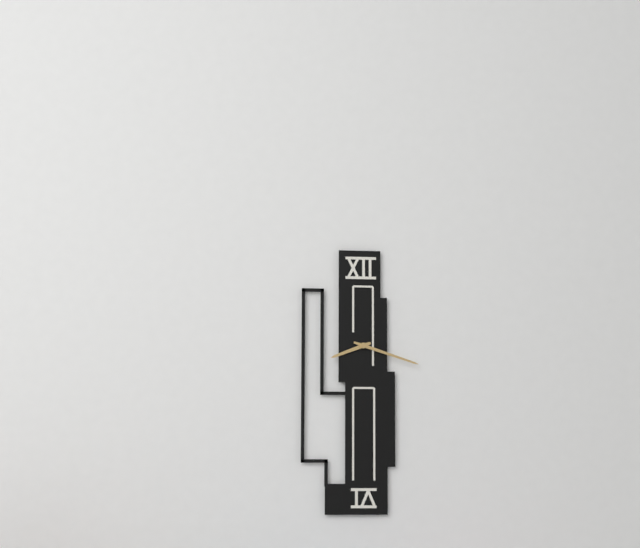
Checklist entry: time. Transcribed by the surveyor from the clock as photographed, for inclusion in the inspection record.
8:18
